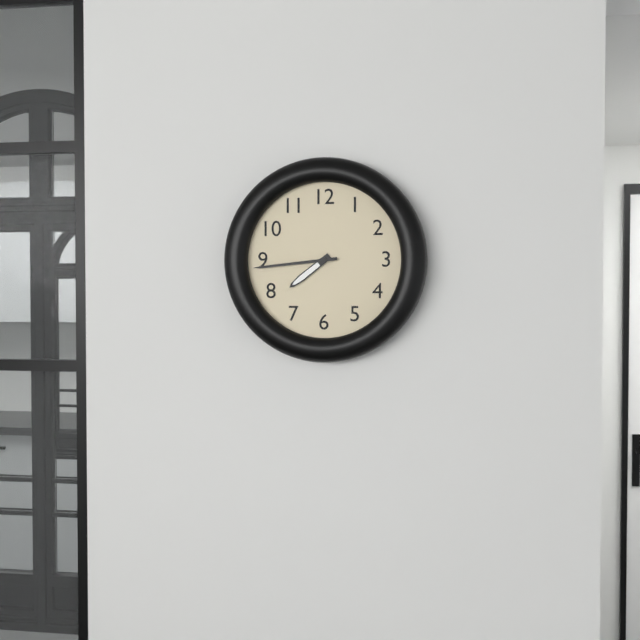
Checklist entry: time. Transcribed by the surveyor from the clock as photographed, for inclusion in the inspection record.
7:44
